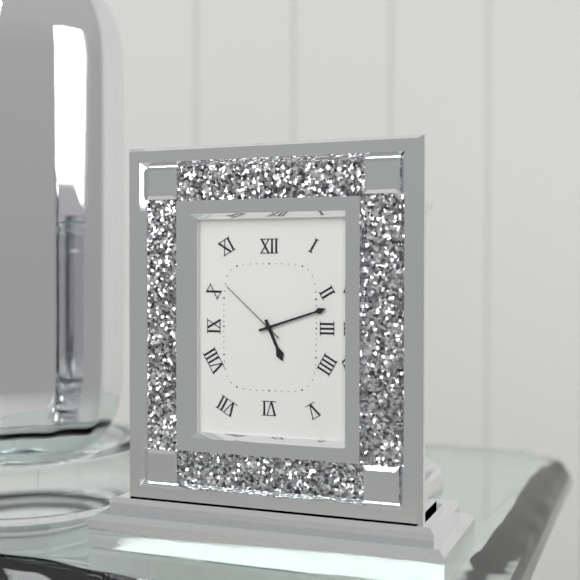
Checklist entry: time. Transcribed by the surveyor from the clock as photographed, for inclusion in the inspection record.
5:12:52
